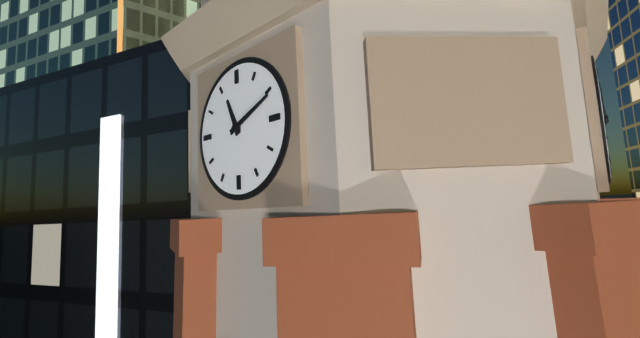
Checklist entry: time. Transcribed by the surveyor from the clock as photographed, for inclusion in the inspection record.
11:11
